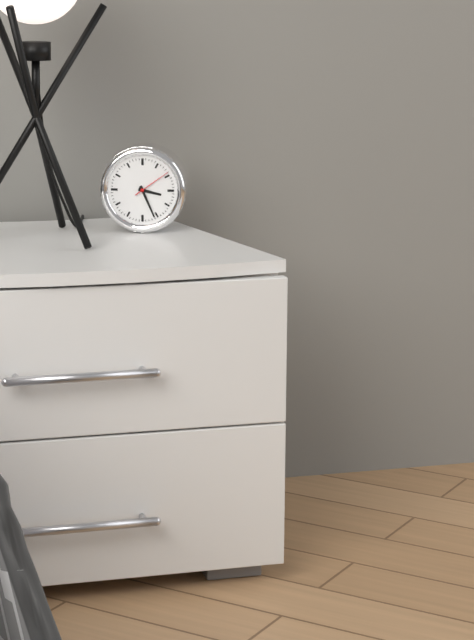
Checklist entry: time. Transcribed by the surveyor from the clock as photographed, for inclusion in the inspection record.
3:26
